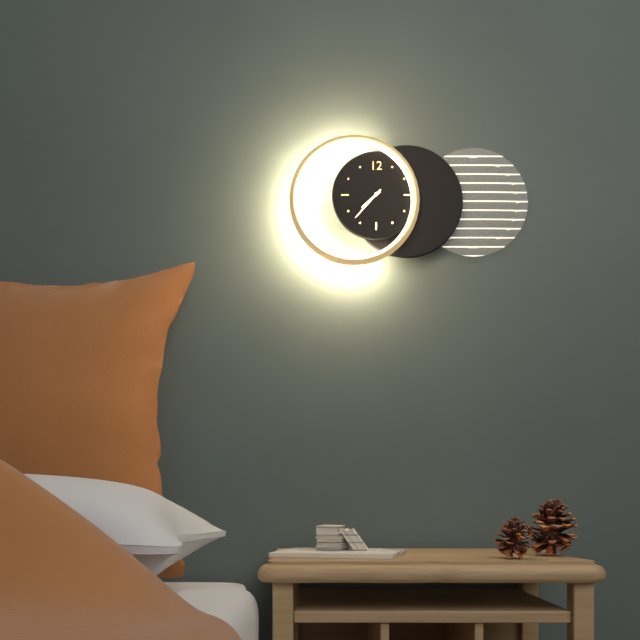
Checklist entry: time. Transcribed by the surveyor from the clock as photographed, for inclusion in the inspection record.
7:37
